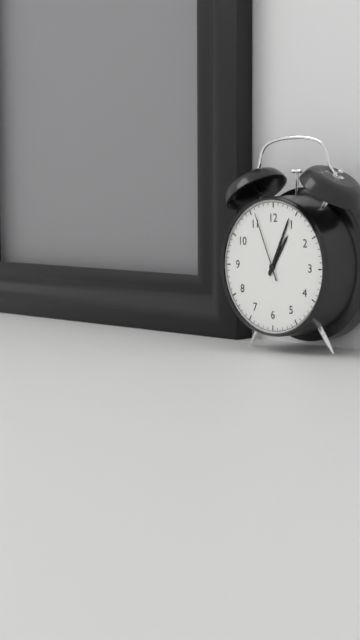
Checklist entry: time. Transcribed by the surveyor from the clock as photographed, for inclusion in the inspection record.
1:04:56
